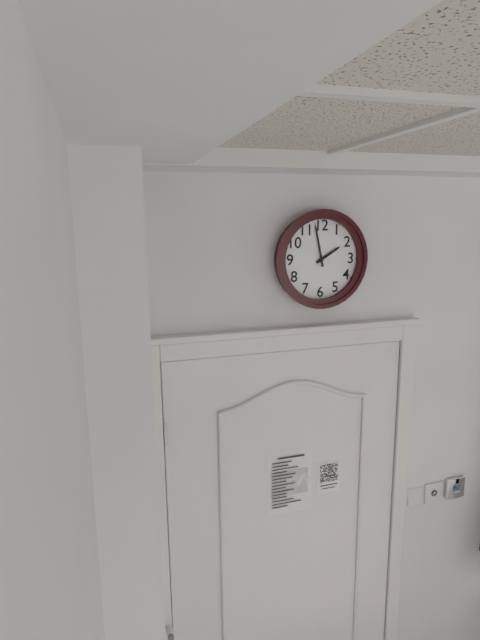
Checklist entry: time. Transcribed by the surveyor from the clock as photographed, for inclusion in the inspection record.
1:58
